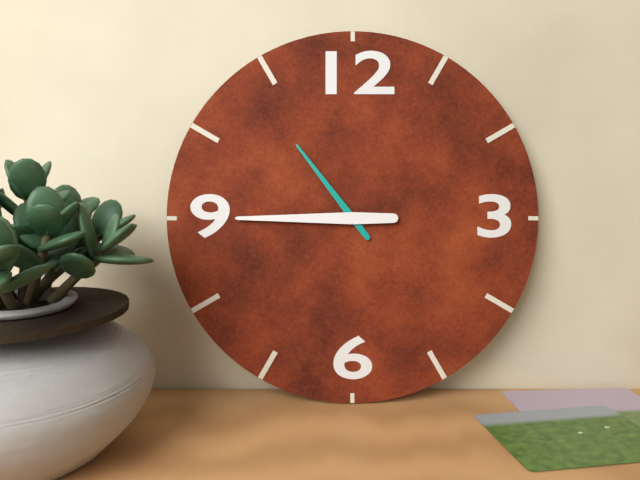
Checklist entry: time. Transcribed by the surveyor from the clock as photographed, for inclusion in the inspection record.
10:45
